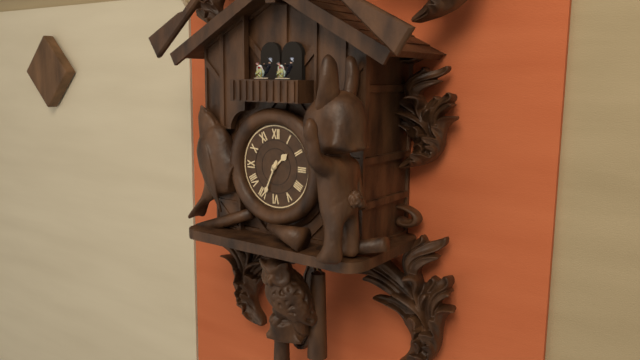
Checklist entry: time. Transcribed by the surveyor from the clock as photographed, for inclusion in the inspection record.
1:34
